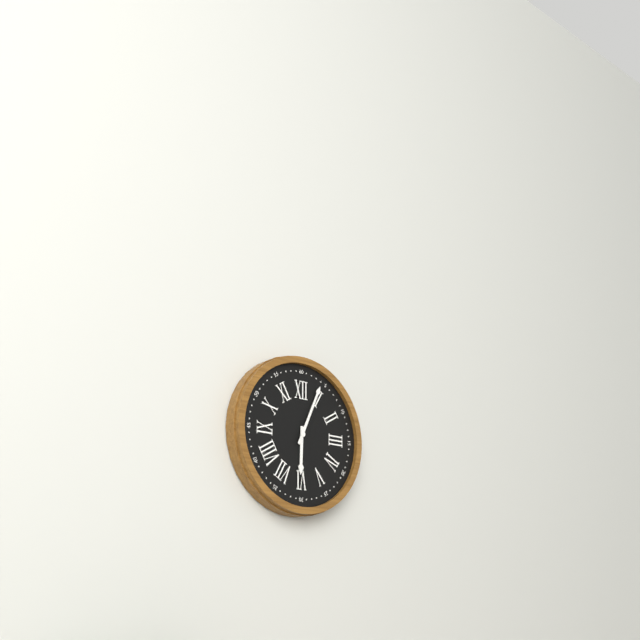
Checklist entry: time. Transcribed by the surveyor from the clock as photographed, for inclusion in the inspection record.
6:04
